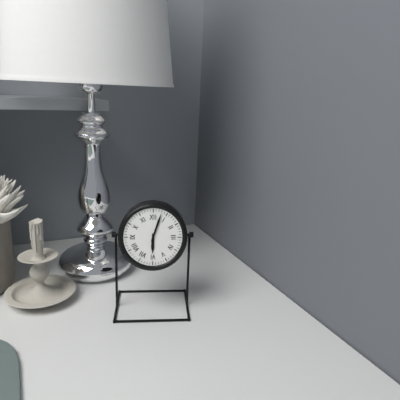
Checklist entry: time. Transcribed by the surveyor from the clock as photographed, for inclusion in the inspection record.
6:03
